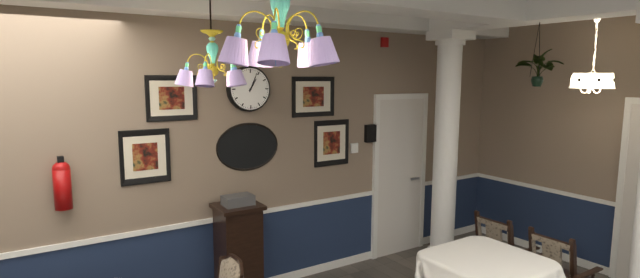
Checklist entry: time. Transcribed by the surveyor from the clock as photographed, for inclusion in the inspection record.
1:04
